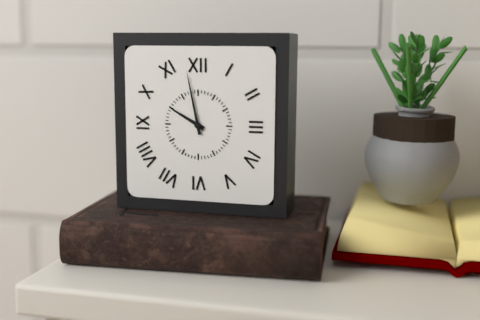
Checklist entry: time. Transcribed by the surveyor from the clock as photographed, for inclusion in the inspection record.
9:58
